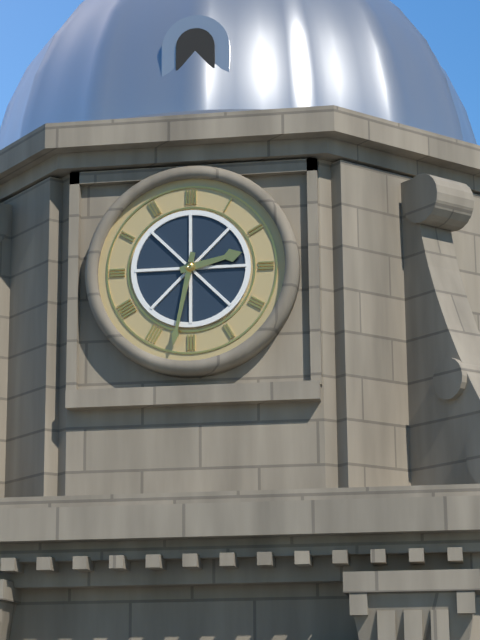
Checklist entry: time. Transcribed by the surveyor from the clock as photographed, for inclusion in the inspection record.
2:32
